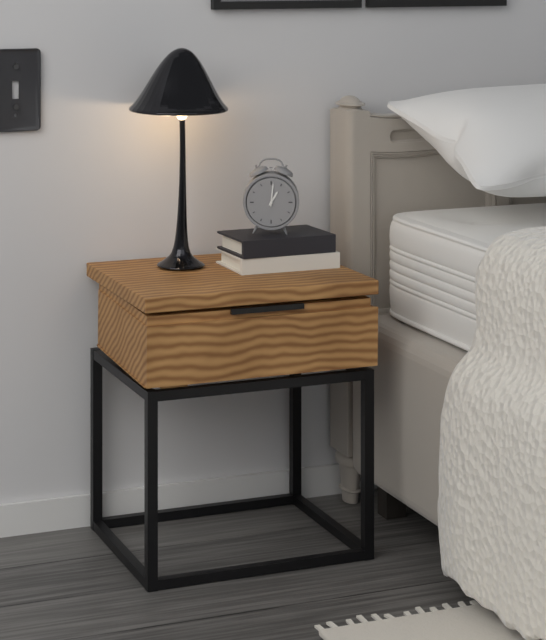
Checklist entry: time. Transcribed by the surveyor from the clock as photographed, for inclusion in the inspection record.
1:01
